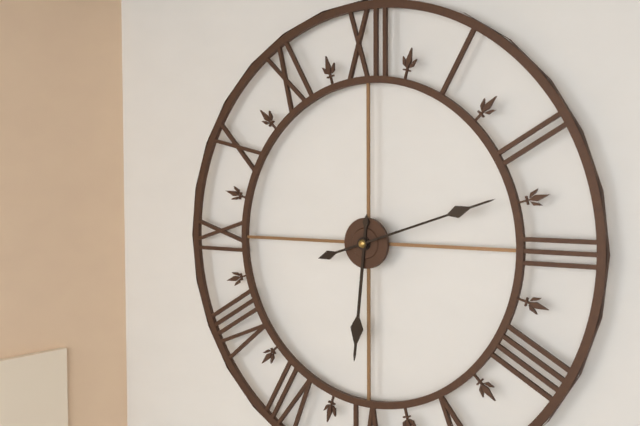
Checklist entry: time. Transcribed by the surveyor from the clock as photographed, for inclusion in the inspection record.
6:12
